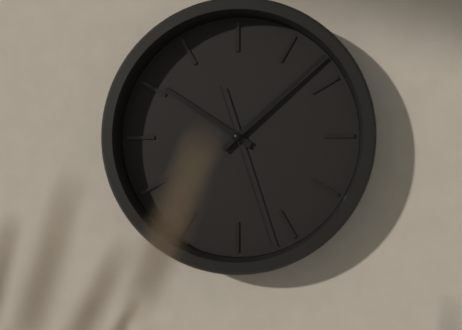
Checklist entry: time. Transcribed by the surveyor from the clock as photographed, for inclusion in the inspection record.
10:08:27
